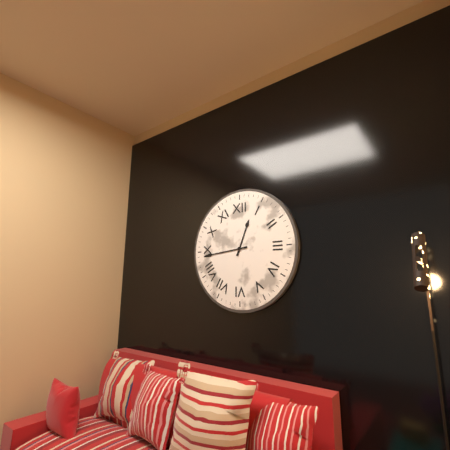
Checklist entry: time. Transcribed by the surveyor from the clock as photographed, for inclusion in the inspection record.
12:44
